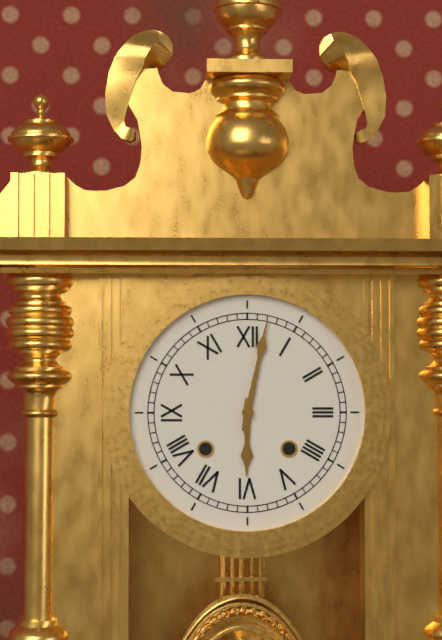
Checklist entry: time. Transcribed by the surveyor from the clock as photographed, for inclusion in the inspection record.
6:02
